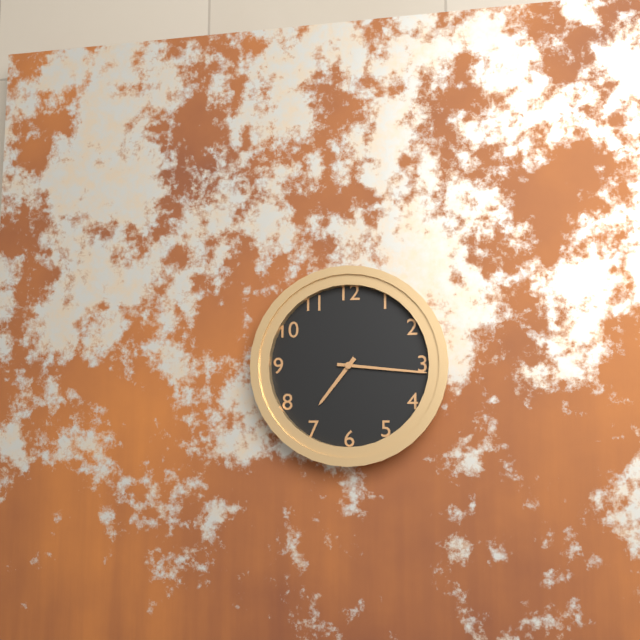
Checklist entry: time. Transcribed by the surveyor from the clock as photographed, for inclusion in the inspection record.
7:16
